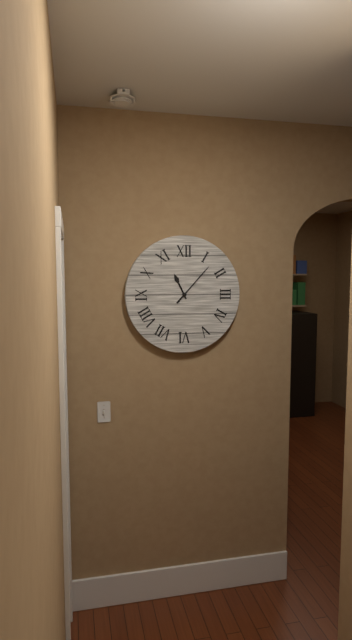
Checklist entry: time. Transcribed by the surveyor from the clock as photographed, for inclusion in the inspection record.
11:07
